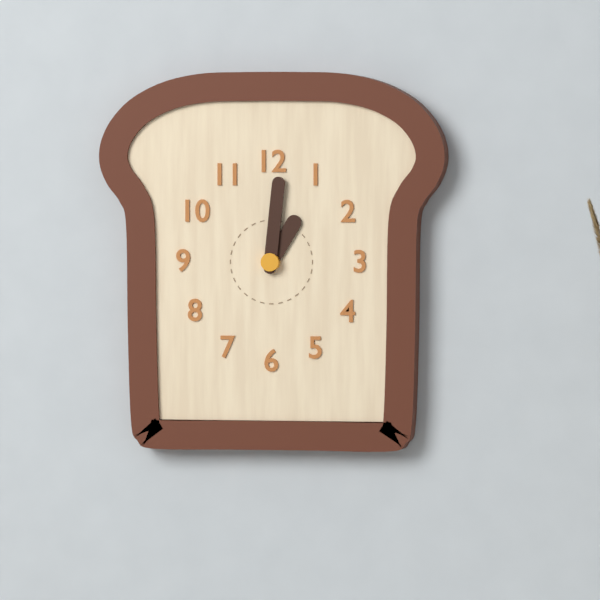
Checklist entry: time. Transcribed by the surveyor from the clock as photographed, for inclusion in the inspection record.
1:01
